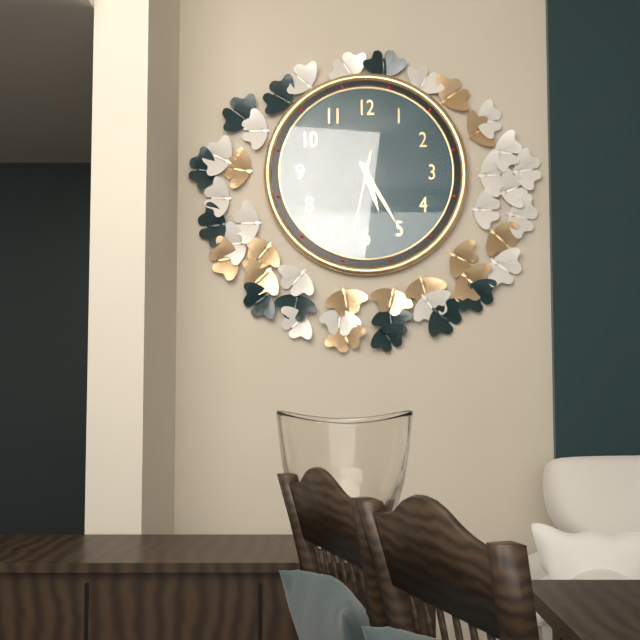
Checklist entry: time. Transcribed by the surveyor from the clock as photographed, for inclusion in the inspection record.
5:25:32
